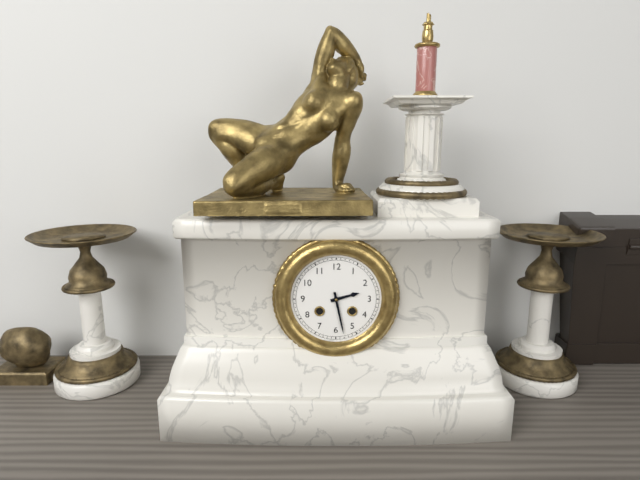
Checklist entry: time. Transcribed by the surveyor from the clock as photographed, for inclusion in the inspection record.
2:28
